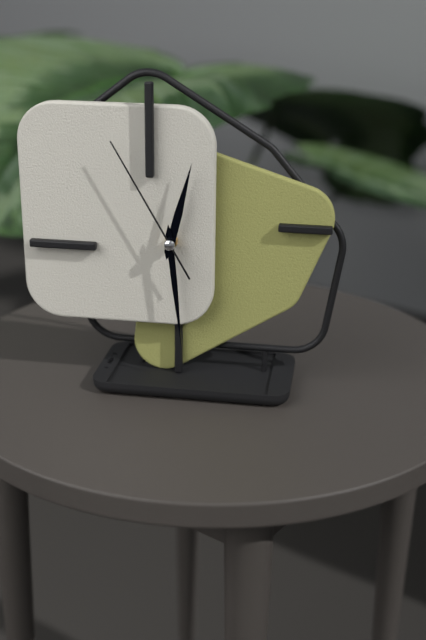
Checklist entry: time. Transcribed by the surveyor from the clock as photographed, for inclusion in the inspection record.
12:29:55
